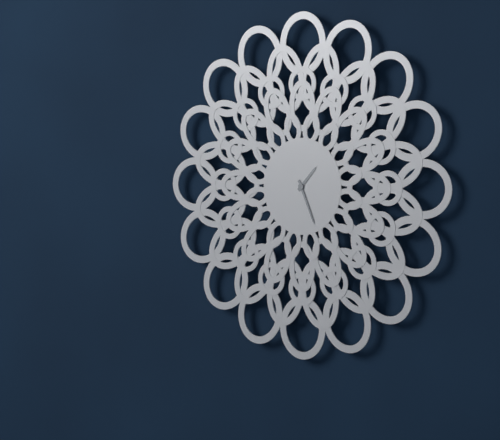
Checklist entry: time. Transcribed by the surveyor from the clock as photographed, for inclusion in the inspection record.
1:26
